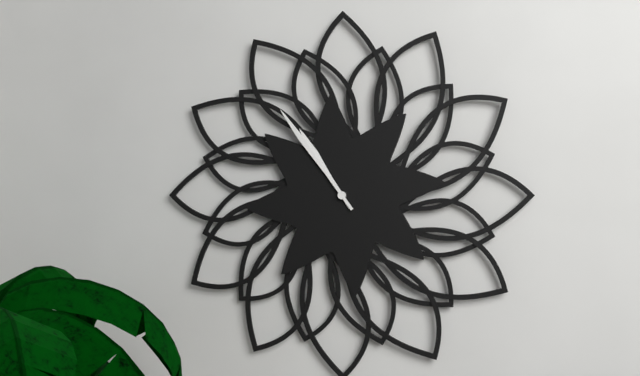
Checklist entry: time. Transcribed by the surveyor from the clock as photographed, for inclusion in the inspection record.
10:54
